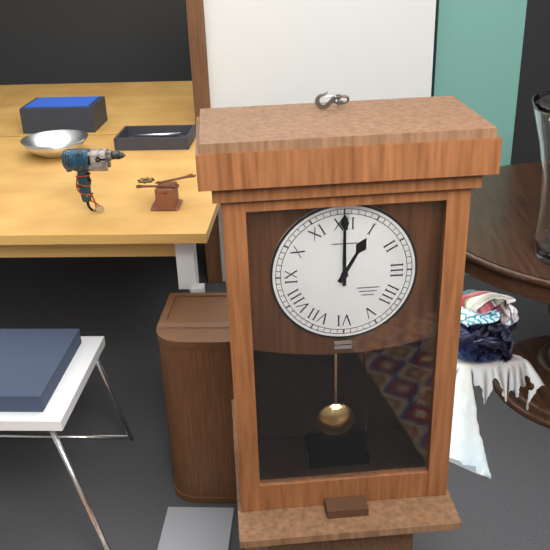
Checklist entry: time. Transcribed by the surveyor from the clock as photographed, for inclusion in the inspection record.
1:00
